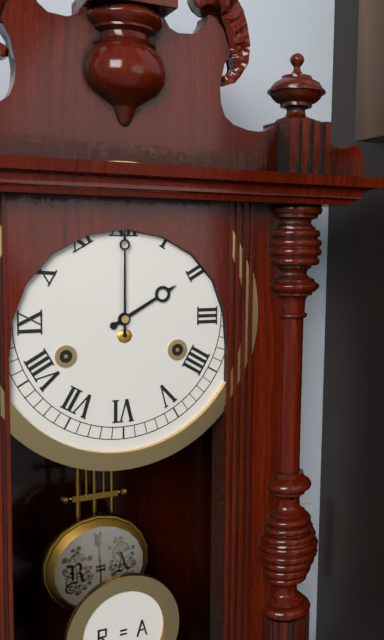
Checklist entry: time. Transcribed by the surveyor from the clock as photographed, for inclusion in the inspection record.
2:00
